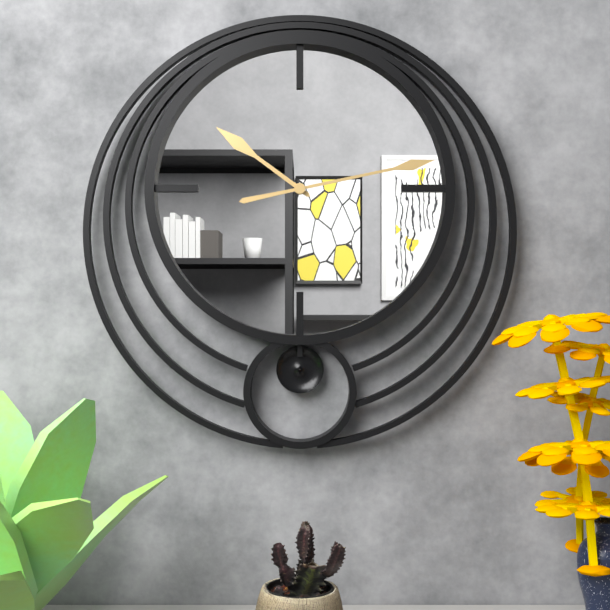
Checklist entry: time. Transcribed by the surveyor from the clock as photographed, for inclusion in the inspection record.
10:13
